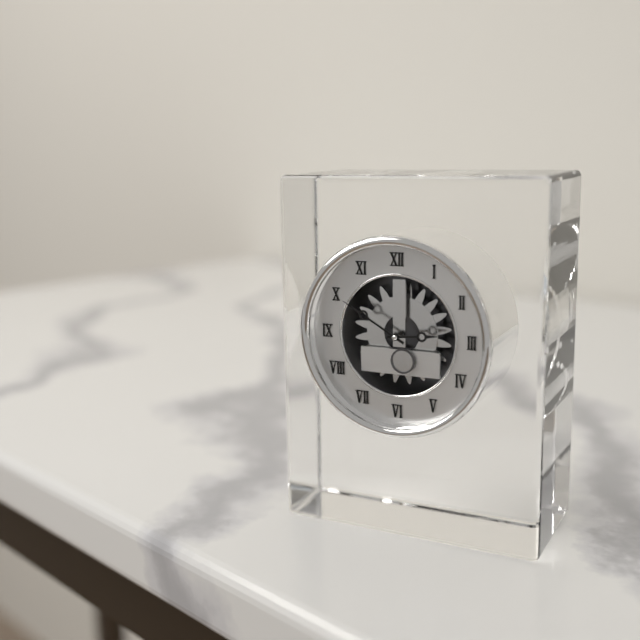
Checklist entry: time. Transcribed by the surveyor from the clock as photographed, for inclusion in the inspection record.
2:50
